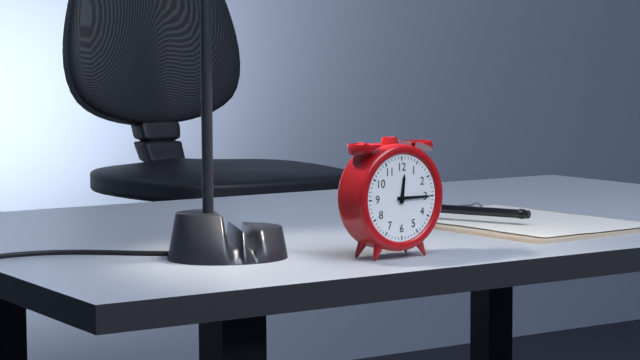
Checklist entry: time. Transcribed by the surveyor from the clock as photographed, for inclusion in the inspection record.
12:15
